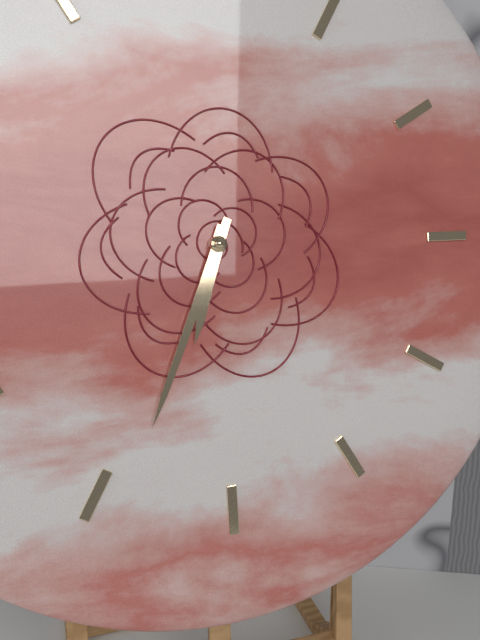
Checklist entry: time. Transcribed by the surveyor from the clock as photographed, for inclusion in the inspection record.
6:34
